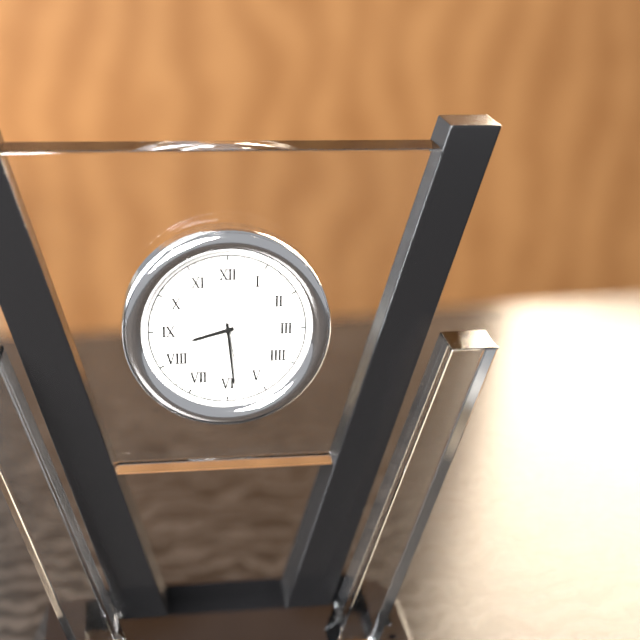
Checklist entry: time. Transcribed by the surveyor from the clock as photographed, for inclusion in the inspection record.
8:29:28
